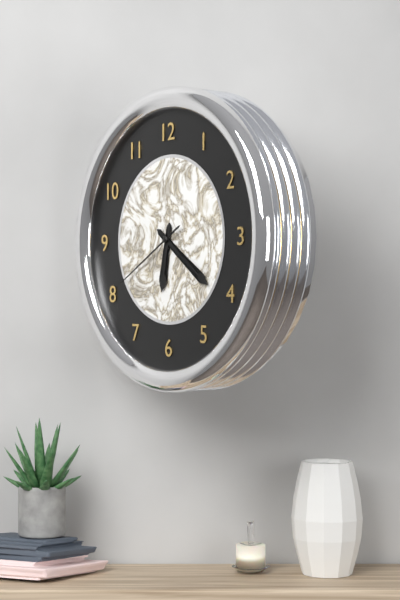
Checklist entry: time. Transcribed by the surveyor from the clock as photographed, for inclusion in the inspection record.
6:21:40
